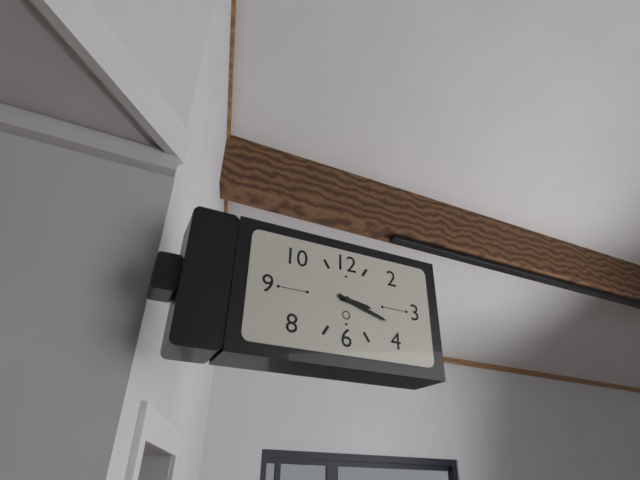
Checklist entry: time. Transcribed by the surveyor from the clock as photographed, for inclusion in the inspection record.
3:18
